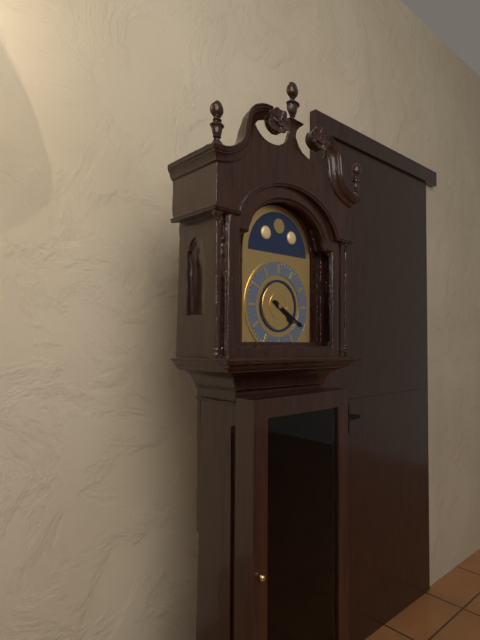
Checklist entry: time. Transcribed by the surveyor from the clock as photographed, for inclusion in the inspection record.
4:20
